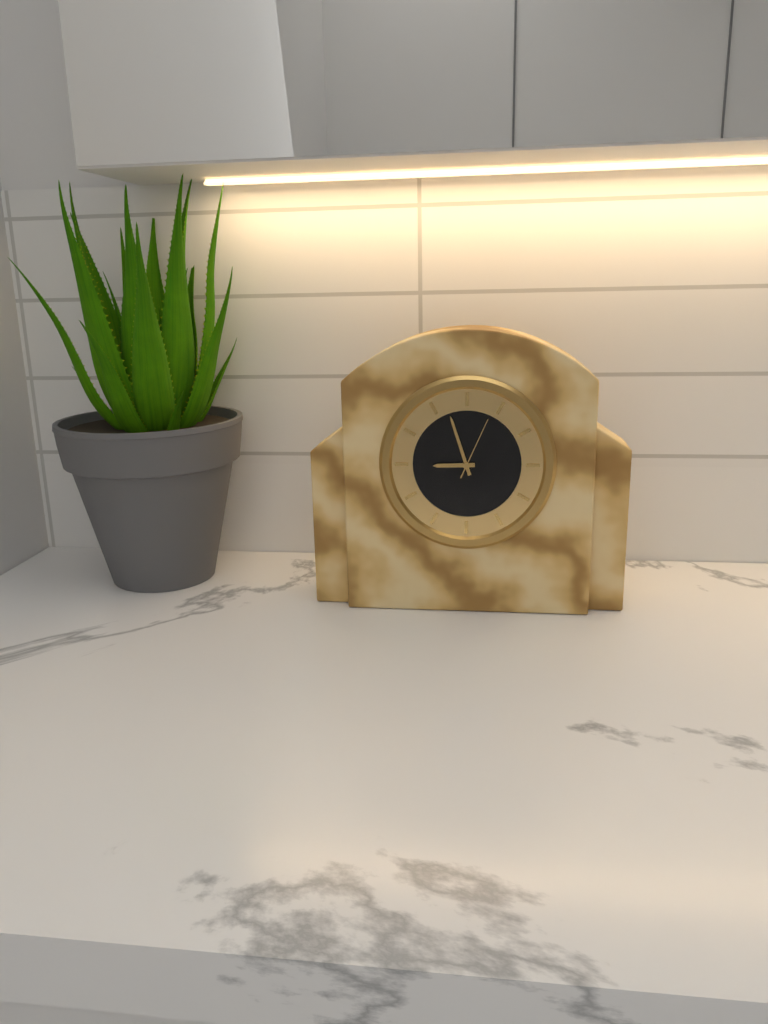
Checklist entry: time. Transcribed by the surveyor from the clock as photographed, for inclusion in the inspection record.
8:57:04
